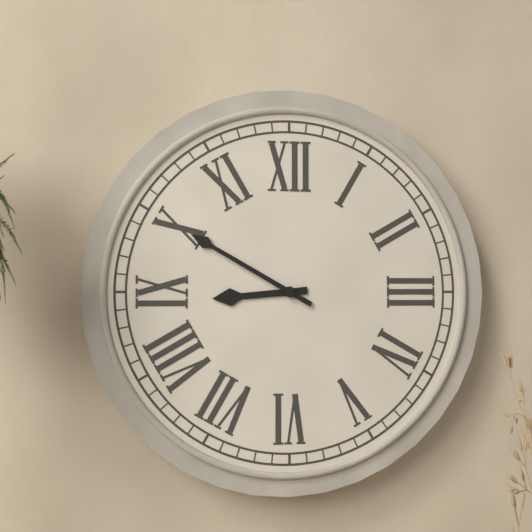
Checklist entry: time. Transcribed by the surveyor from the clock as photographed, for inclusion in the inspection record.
8:50
